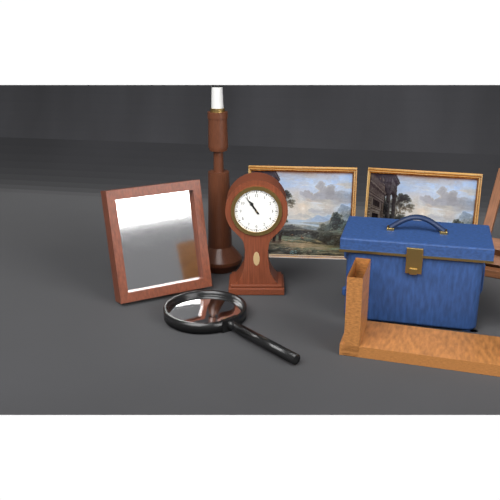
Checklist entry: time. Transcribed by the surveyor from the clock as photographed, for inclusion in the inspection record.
10:54
